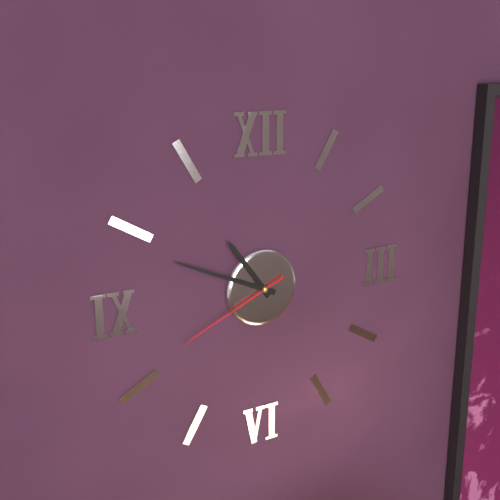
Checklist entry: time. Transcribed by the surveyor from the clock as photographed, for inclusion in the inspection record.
10:49:41
